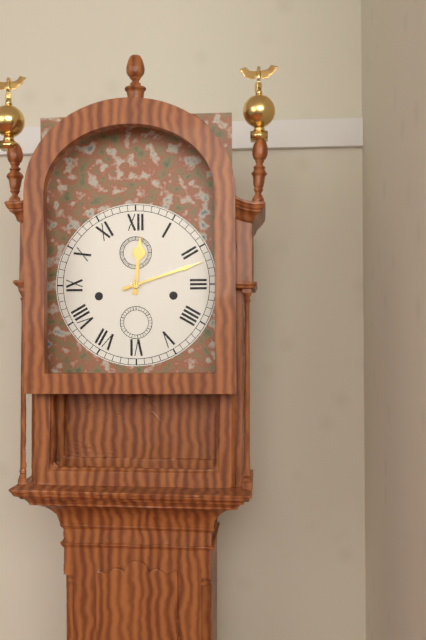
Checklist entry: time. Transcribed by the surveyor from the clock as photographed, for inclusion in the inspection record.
12:12
